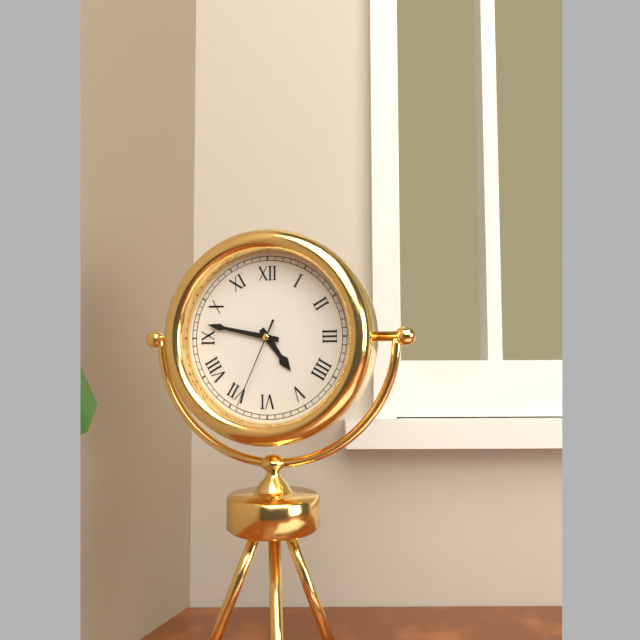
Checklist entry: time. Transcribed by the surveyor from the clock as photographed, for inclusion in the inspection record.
4:47:34
